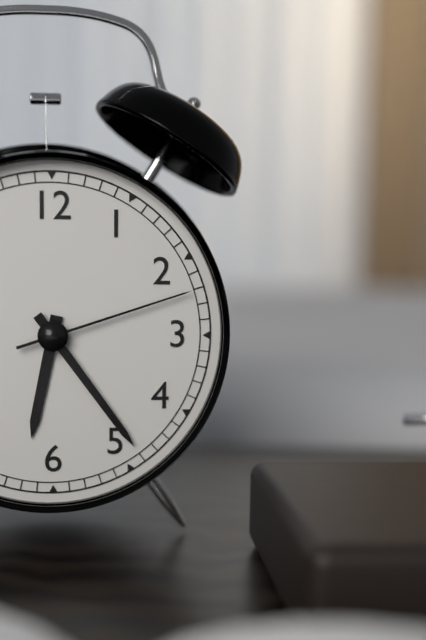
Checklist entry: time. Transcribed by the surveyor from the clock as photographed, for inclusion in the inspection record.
6:24:12
